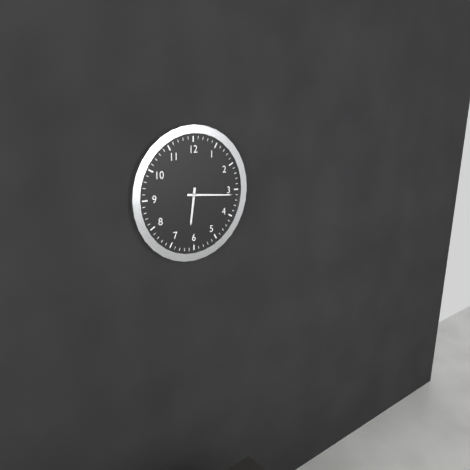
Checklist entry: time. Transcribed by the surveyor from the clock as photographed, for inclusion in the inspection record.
6:16
